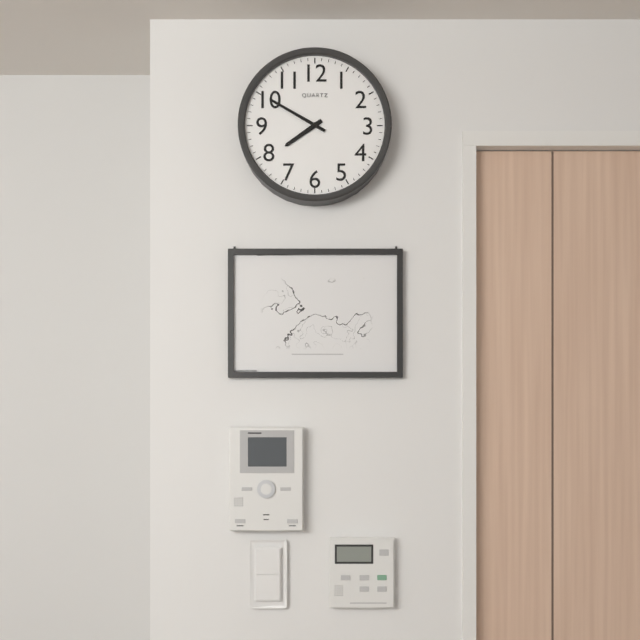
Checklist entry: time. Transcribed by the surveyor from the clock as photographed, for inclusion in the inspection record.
7:50
